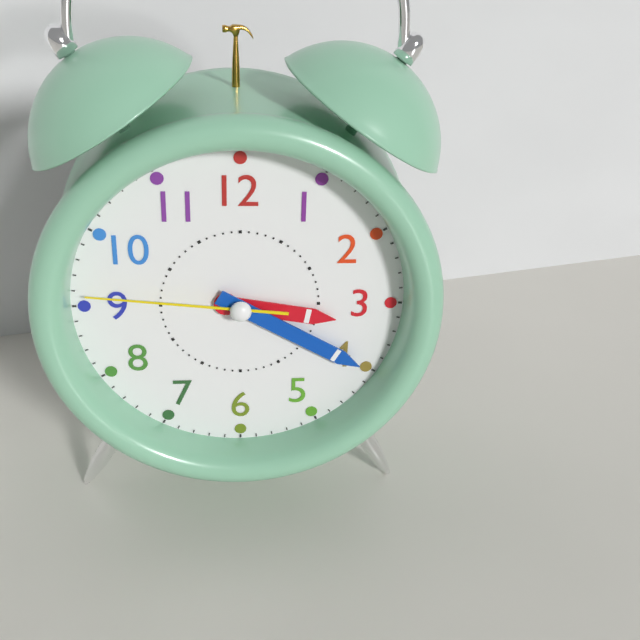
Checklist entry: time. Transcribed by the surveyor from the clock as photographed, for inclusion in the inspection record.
3:20:46
